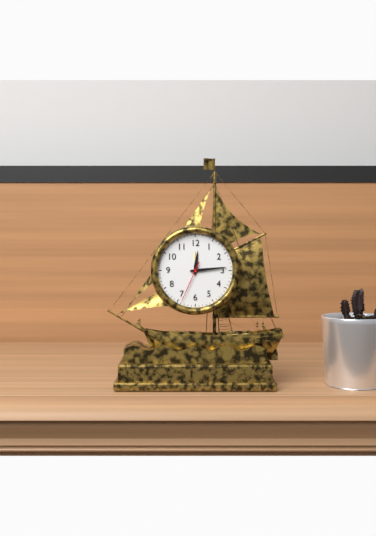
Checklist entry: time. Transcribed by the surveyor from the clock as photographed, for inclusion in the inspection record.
12:14
